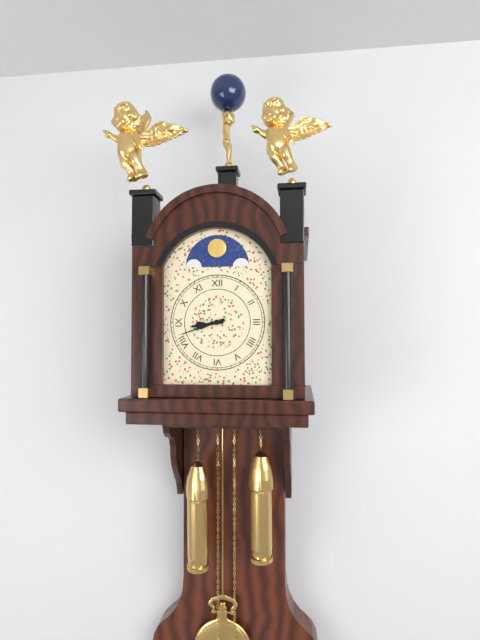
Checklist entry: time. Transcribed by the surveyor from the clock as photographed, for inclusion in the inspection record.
8:42
